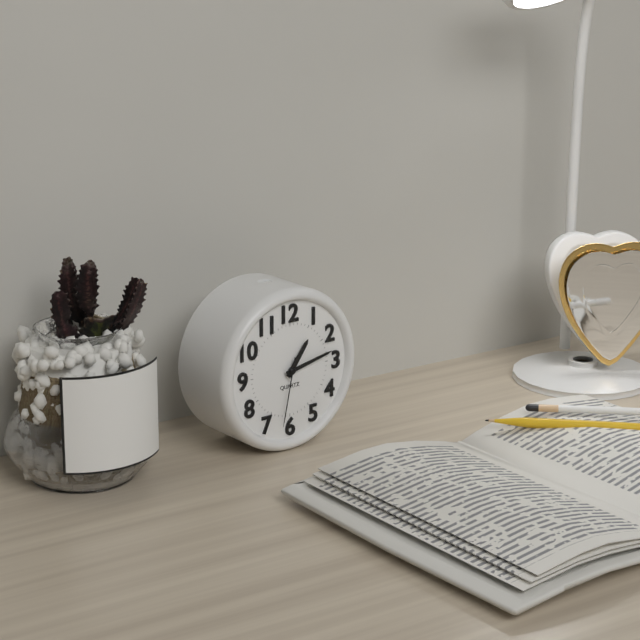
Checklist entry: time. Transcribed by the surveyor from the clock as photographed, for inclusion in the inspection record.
1:13:32
